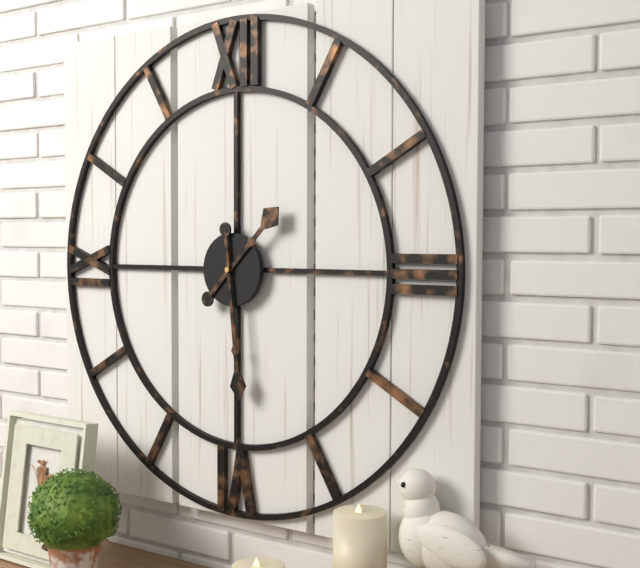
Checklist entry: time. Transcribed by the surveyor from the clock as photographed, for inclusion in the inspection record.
1:29
